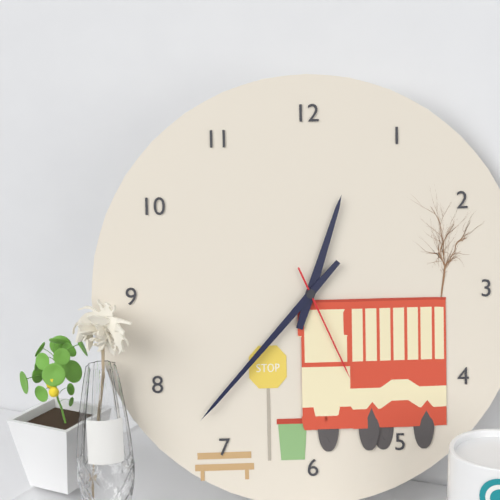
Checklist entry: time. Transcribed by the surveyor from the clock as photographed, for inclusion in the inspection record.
12:37:26
